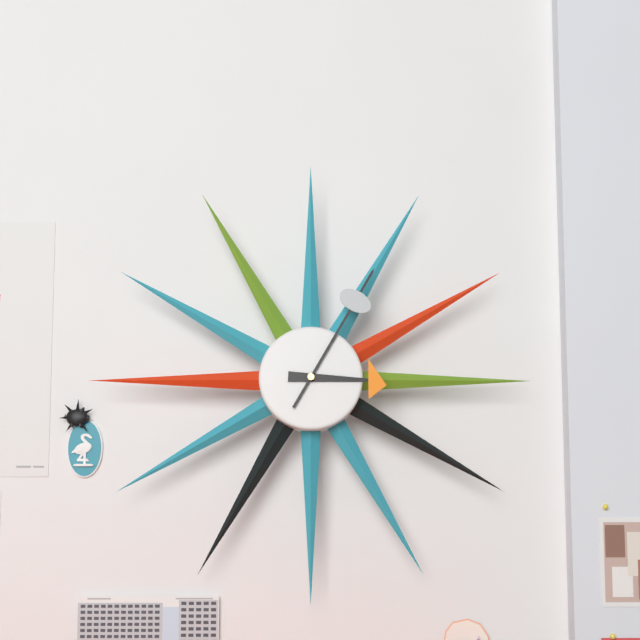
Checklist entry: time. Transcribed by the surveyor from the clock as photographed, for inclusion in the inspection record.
3:05
